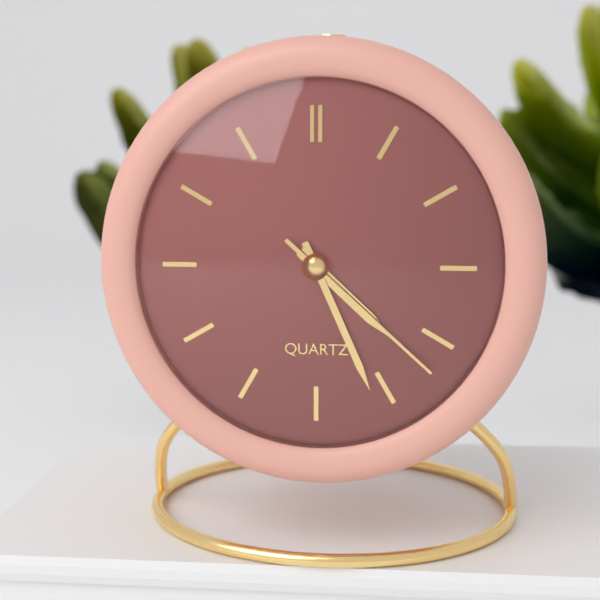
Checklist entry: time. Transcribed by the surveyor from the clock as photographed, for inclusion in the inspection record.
4:26:22
